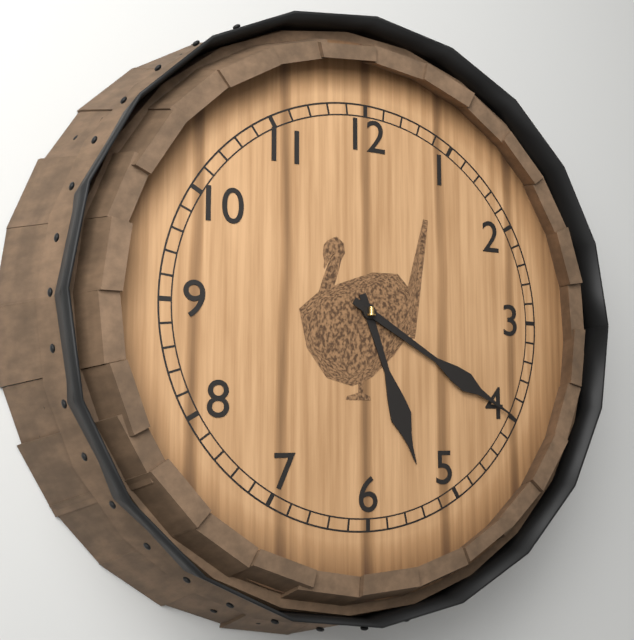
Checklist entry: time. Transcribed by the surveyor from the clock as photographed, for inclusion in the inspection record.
5:20
